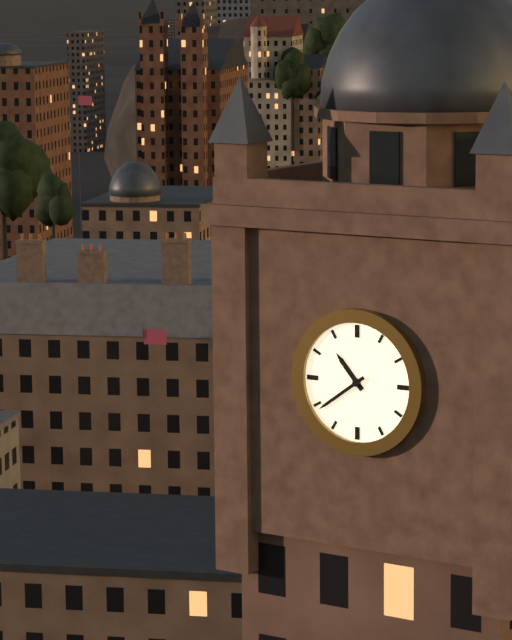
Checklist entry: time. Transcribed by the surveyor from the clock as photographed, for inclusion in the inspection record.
10:39
